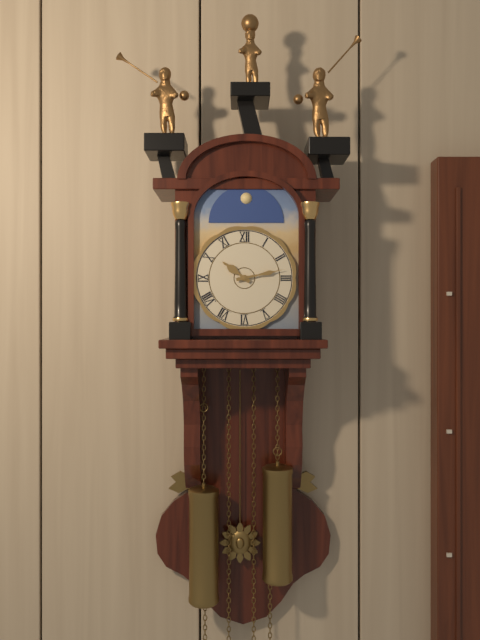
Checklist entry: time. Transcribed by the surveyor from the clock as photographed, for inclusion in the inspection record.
10:13
